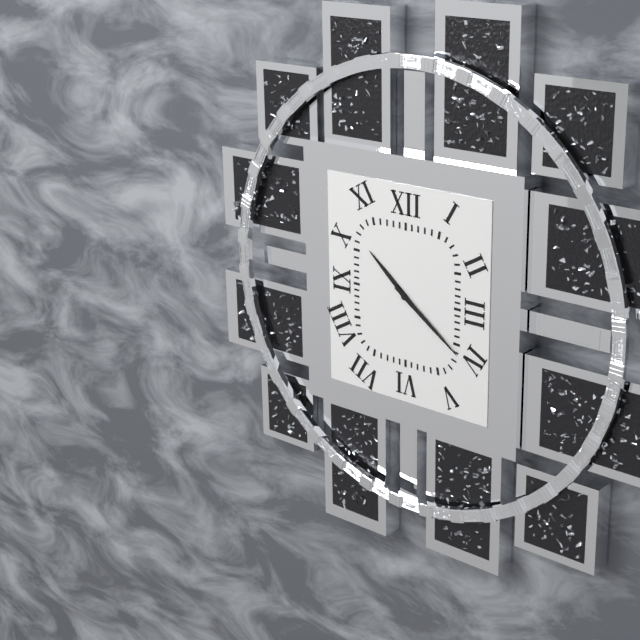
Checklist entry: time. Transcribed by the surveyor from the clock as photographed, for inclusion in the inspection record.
10:21
